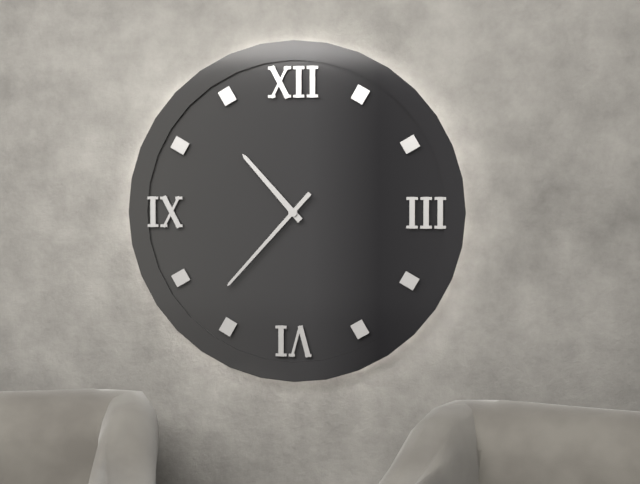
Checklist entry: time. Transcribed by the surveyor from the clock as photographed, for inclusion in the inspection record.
10:37
